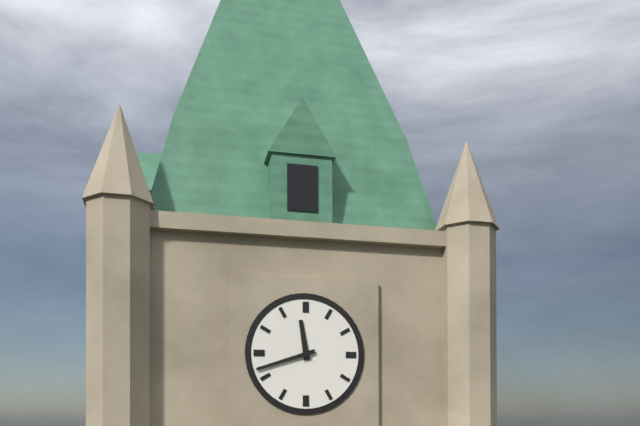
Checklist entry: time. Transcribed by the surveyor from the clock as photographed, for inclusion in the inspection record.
11:42
